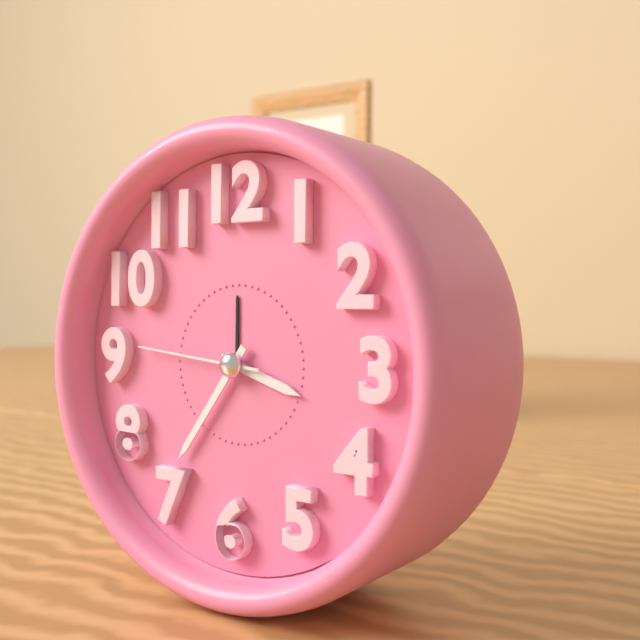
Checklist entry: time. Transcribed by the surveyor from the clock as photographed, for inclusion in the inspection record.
3:36:46
